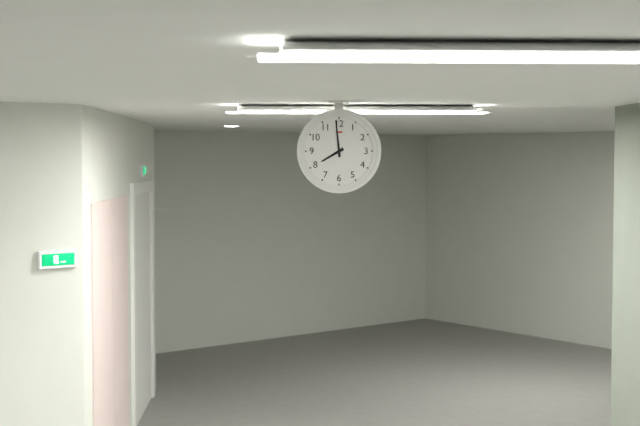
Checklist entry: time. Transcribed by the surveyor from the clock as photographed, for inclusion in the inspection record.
7:59
